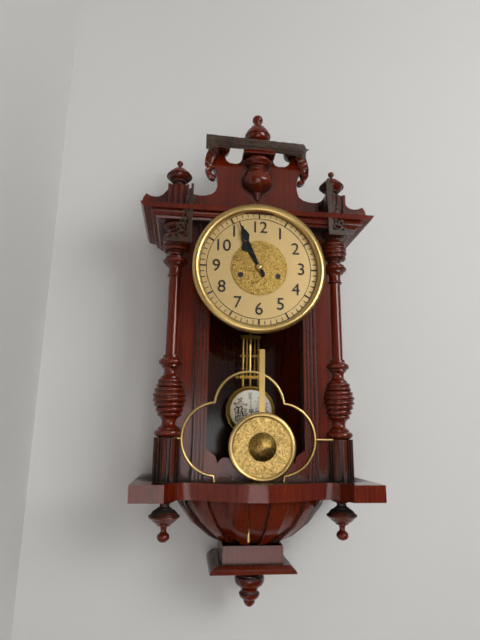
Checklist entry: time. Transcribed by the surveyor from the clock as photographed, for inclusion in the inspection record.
10:56
